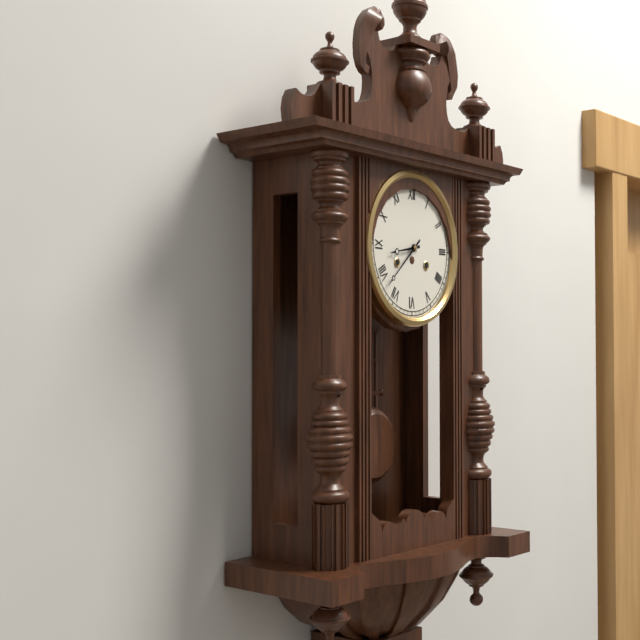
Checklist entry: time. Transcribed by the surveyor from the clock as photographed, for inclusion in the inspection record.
8:38
